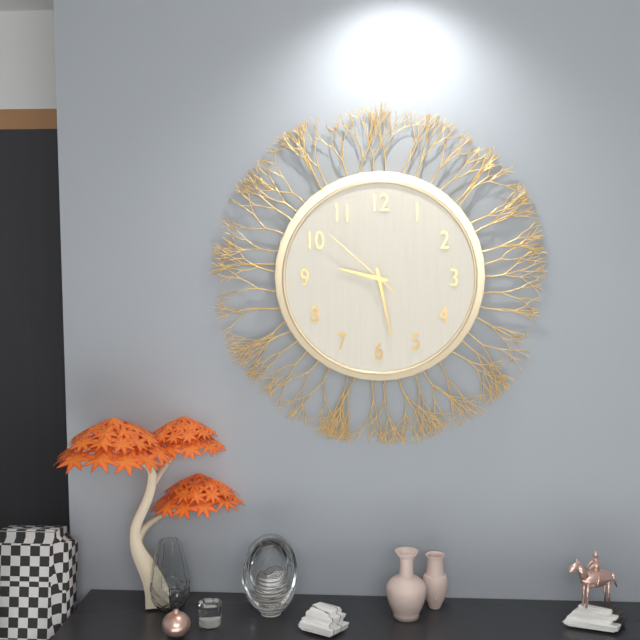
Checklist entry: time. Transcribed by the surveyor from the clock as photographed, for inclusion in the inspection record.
9:28:52
